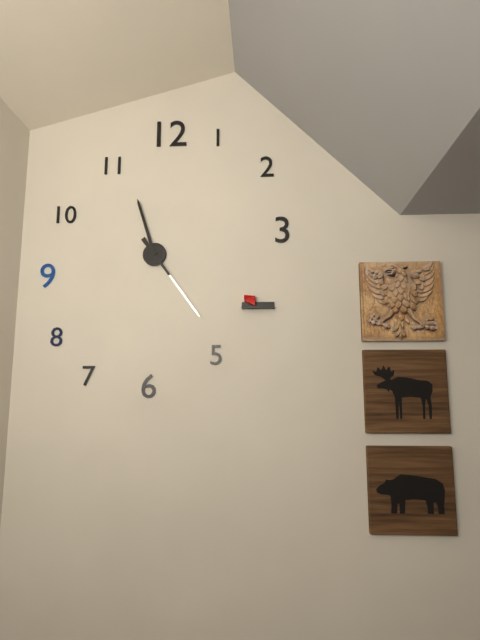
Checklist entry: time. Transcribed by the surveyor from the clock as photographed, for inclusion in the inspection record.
11:24
